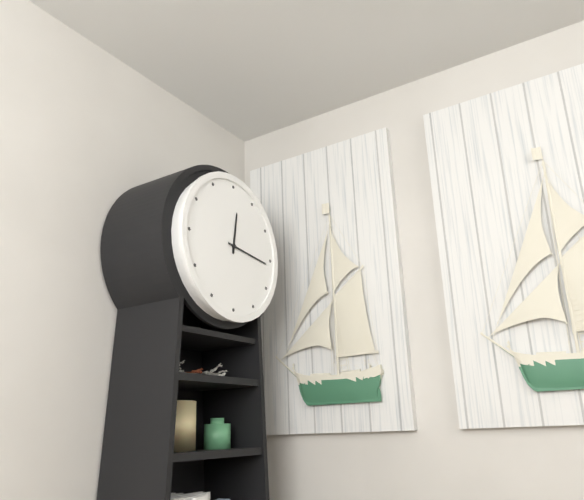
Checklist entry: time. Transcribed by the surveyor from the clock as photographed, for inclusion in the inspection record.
12:16
